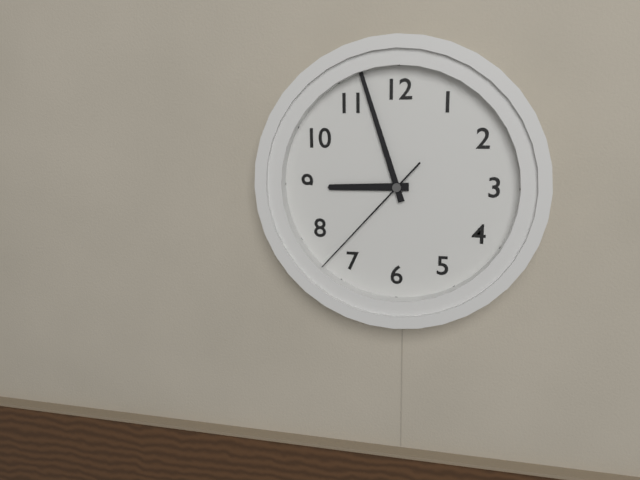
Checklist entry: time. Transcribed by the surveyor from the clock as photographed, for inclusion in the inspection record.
8:57:37
